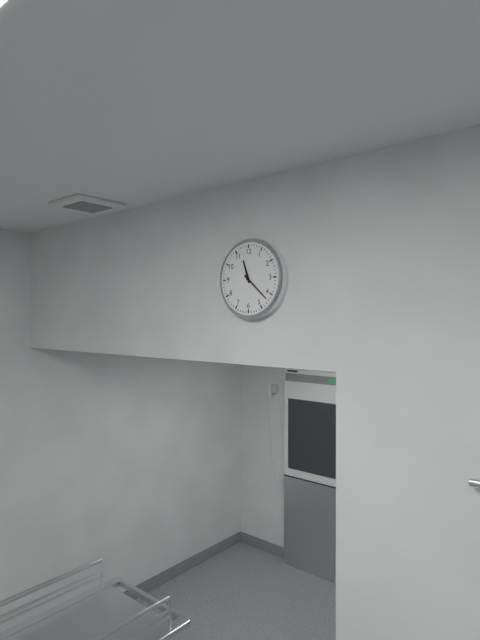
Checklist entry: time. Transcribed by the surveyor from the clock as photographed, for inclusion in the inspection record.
11:22
